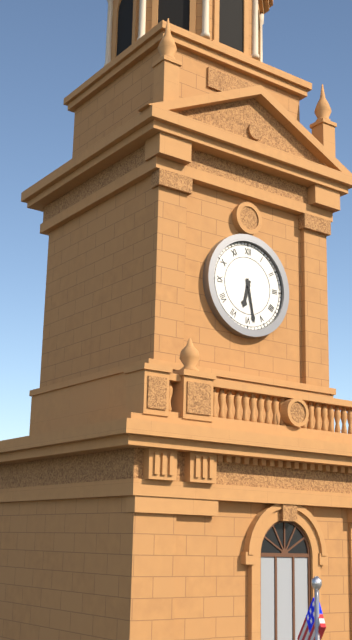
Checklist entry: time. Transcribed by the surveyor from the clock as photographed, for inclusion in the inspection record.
6:28
